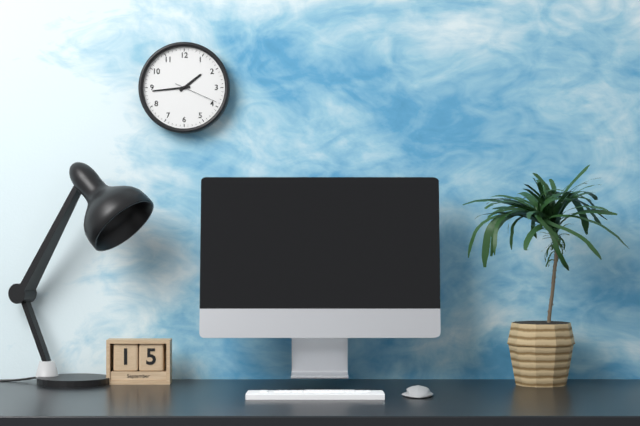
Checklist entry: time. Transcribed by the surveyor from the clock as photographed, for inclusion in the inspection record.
1:44
